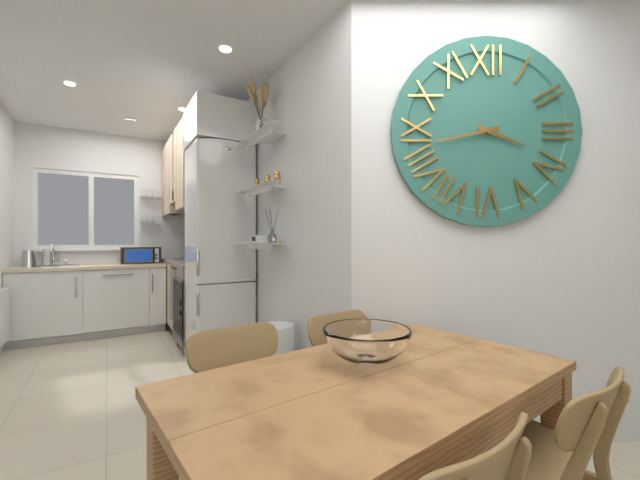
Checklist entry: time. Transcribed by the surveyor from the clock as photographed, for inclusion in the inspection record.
3:43
